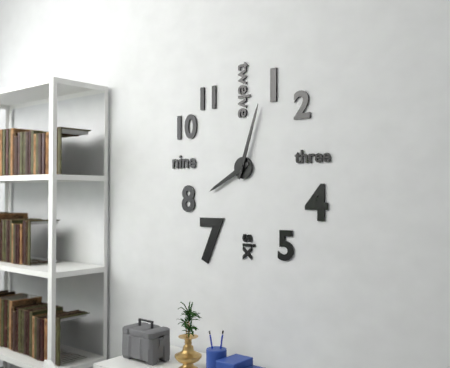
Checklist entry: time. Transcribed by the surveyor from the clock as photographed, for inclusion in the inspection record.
8:03
